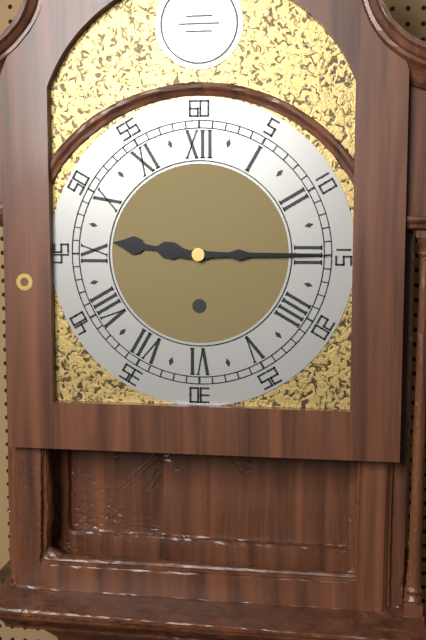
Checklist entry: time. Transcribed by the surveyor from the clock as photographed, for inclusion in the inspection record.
9:15
